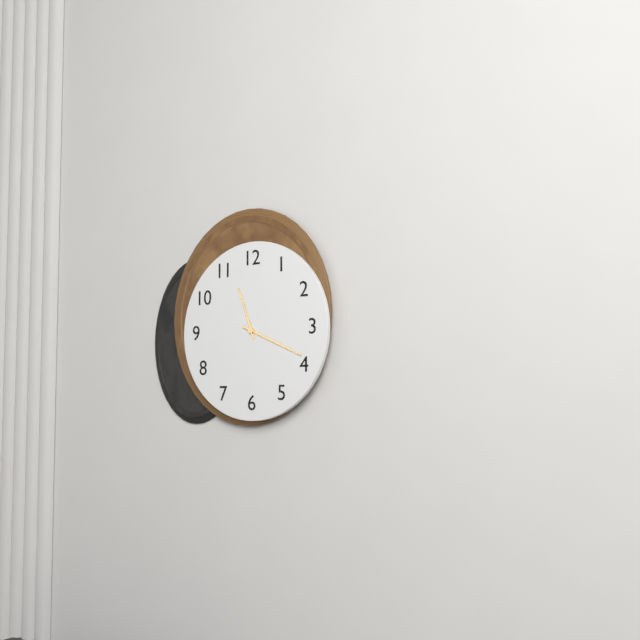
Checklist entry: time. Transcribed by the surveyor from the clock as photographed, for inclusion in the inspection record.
11:19
